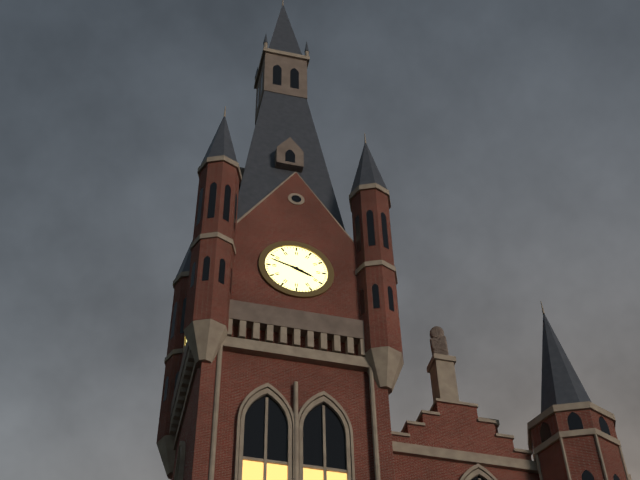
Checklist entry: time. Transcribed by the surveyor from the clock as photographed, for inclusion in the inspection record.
3:48
